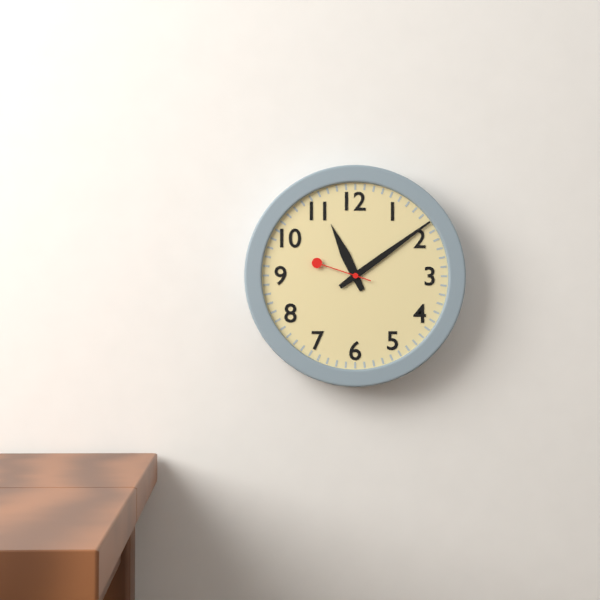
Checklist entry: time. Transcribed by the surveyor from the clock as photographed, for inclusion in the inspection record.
11:09:48
